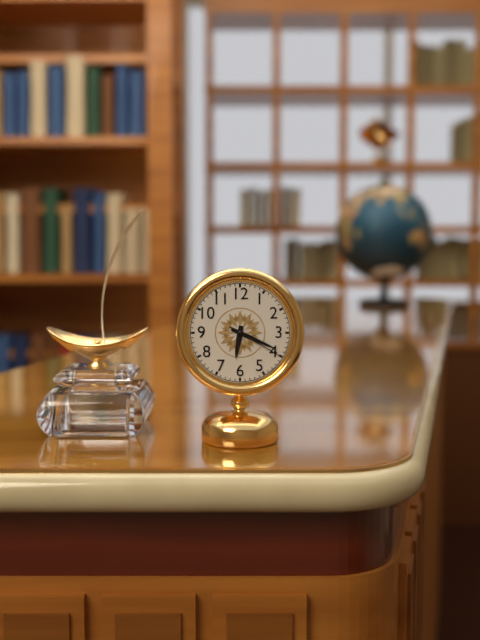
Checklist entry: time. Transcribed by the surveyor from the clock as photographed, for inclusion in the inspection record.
6:19:20
